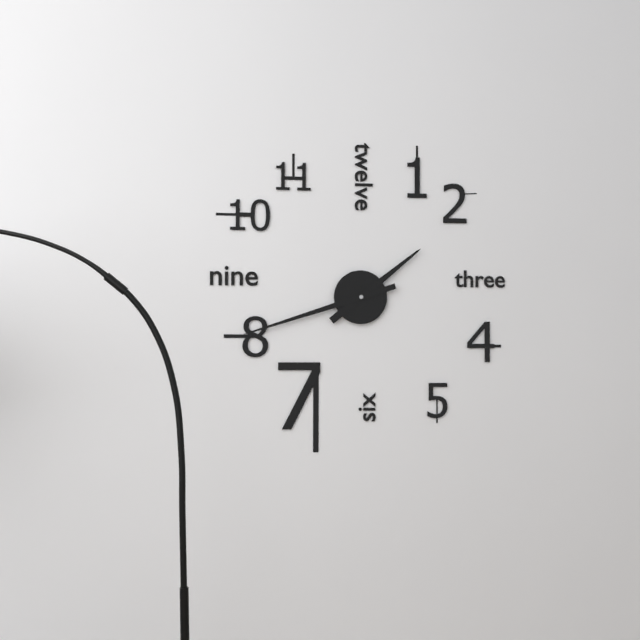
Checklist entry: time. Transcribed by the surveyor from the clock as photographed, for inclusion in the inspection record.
1:42
